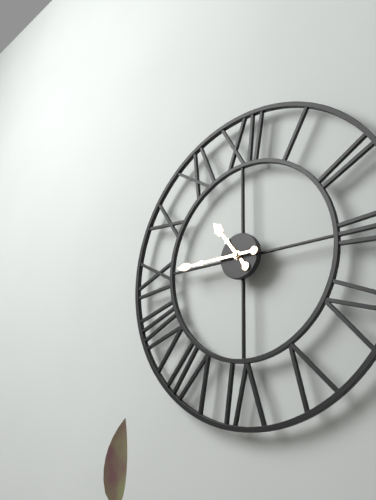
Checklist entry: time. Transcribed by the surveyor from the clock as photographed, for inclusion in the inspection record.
10:45
